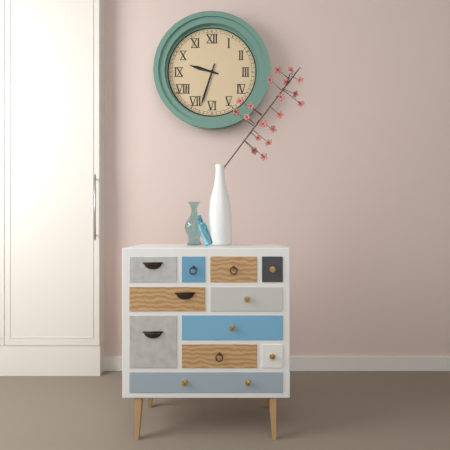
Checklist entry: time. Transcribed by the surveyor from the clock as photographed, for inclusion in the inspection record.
9:33
